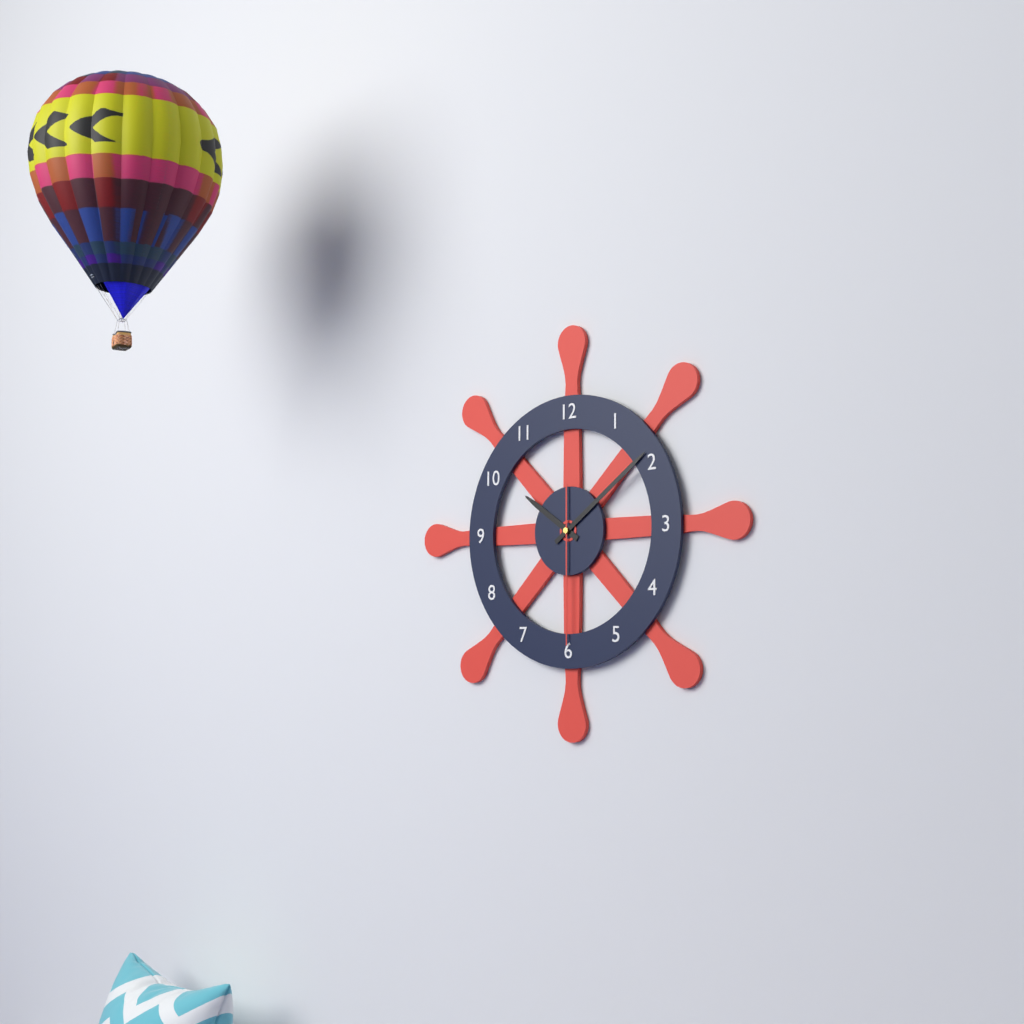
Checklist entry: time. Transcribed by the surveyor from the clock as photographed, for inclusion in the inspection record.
10:09:30
